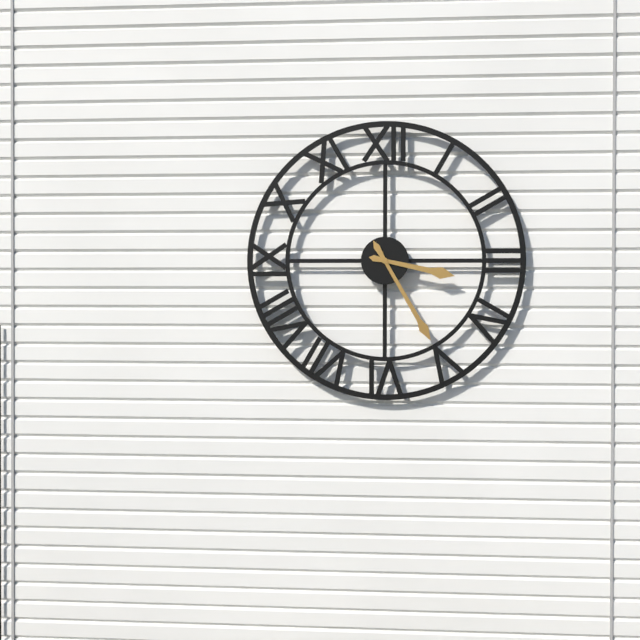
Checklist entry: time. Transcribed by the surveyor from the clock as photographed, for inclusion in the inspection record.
3:25
